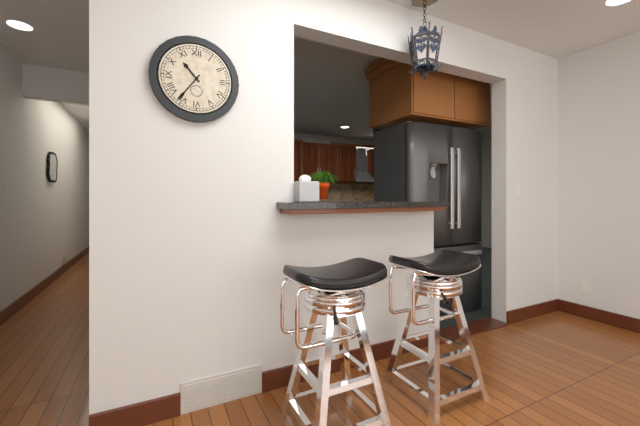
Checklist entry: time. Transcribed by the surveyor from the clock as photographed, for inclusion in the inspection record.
10:36
